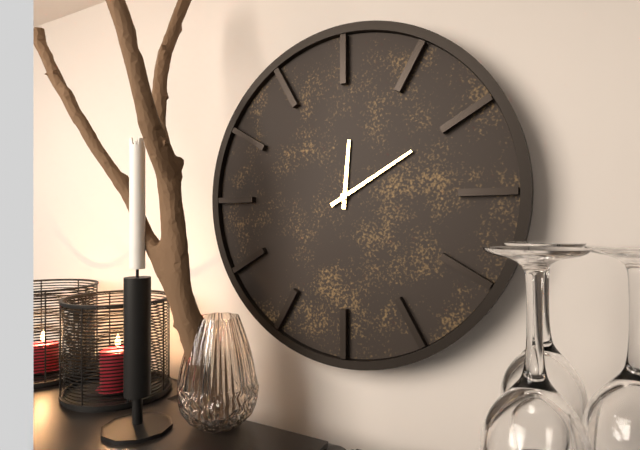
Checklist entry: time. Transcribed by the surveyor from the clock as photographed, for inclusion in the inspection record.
12:10
